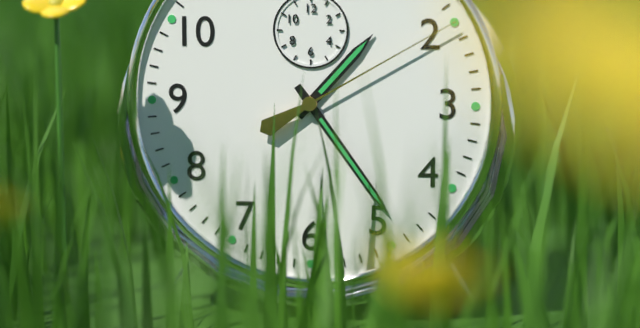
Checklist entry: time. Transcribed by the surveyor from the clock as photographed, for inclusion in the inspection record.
1:24:10
